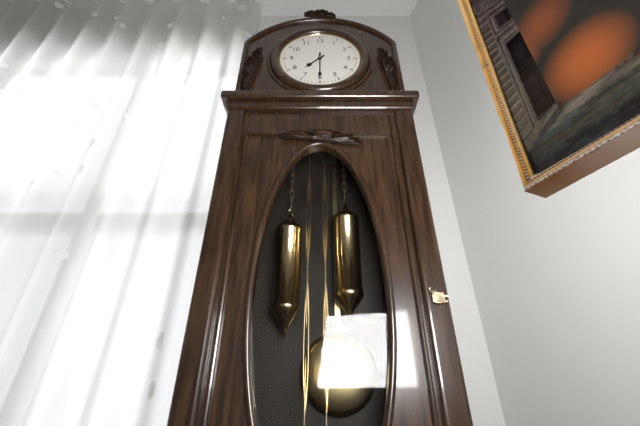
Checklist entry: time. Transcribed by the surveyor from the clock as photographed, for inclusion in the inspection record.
7:30
